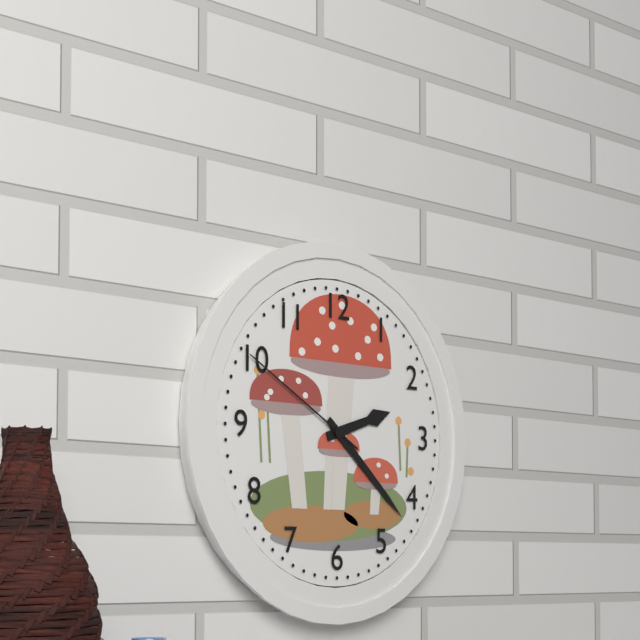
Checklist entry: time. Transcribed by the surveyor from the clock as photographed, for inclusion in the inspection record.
2:22:50
